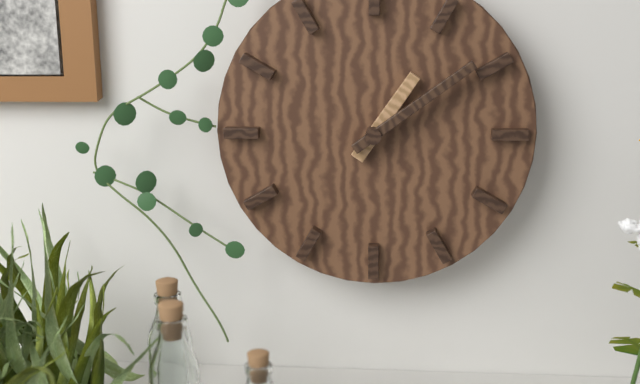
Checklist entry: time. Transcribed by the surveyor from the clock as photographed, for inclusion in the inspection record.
1:09
